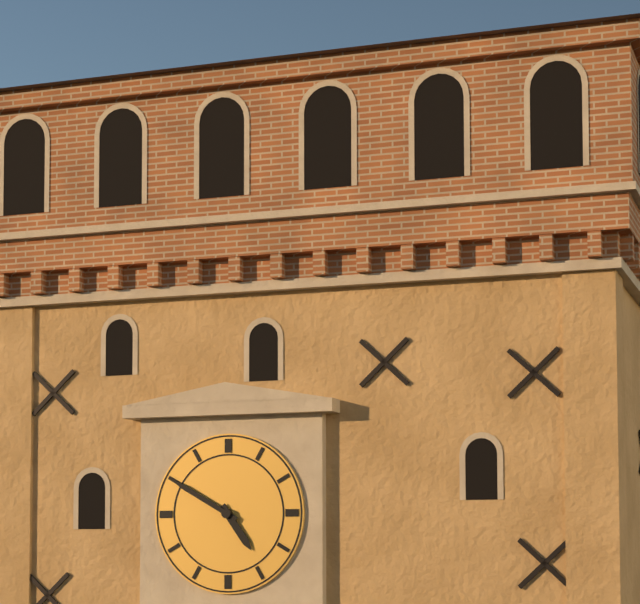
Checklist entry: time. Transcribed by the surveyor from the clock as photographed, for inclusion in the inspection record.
4:50
